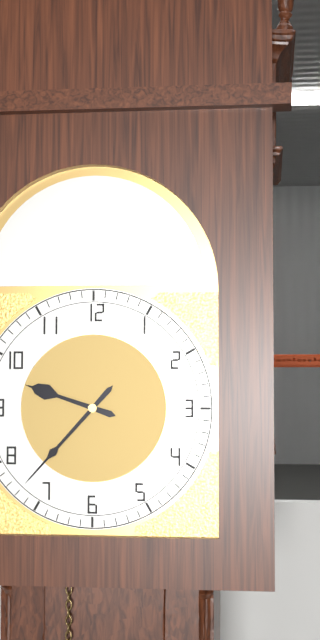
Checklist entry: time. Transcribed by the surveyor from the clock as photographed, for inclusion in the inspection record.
9:37
